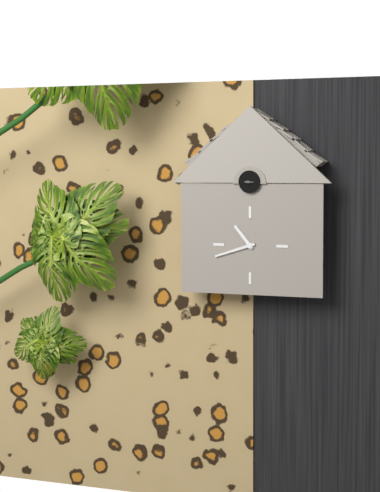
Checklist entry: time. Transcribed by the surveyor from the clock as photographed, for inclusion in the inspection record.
10:42
